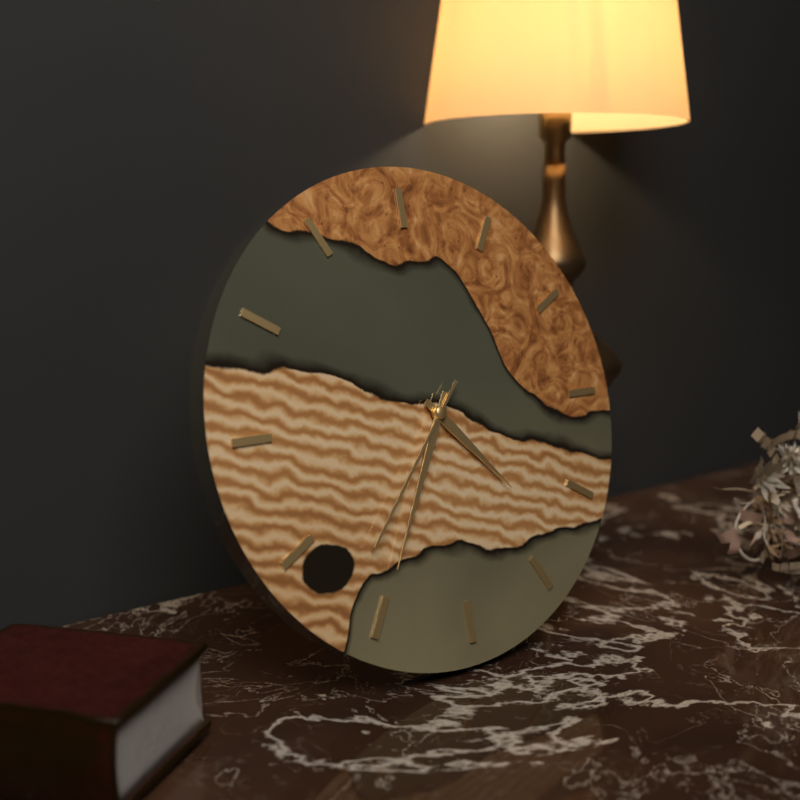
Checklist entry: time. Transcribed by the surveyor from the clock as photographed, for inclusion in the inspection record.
4:35:37
